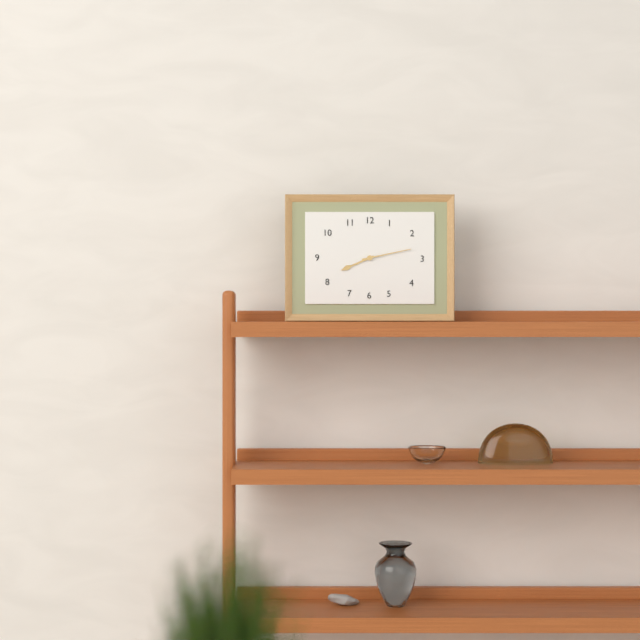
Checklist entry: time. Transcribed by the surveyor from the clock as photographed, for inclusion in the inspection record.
8:13
